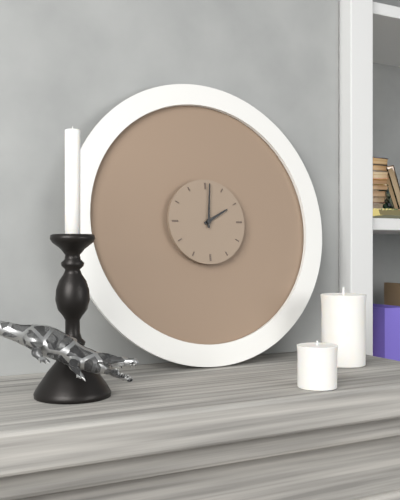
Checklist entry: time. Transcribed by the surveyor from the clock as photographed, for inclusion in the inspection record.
2:01
